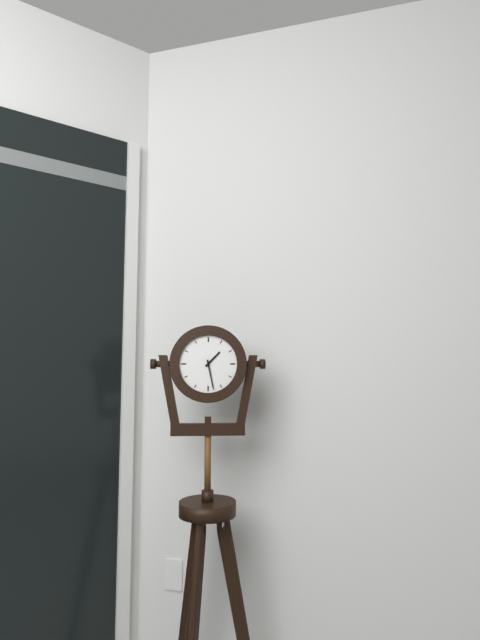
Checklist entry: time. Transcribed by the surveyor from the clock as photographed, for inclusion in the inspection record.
1:28
